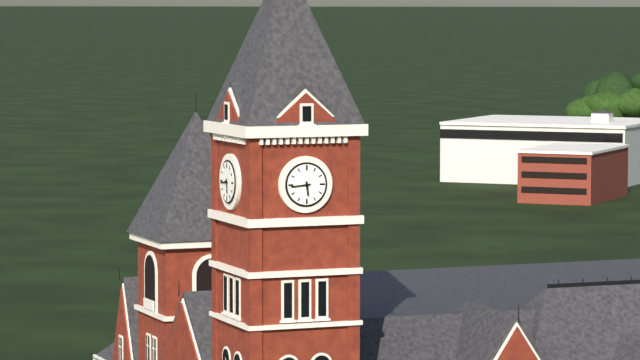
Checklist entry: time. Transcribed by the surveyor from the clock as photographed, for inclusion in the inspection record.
5:44
